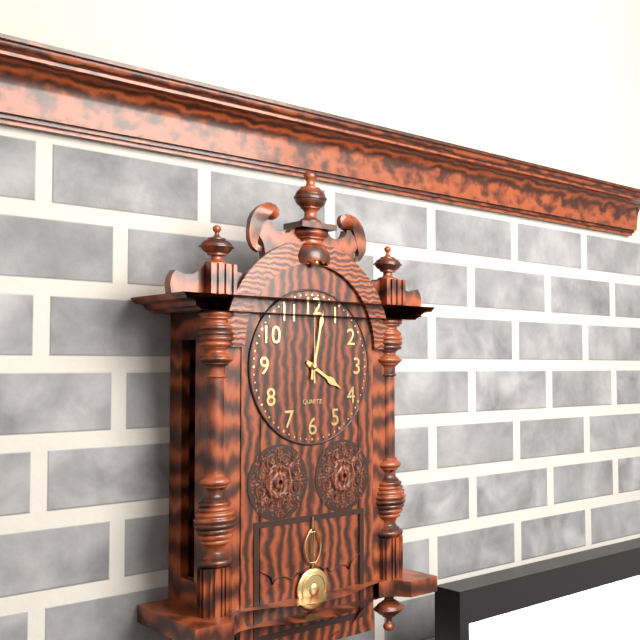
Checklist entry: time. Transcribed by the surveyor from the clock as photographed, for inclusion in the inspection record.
4:02:00
